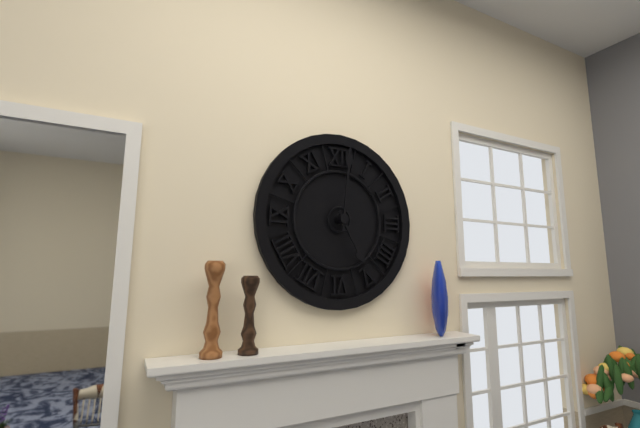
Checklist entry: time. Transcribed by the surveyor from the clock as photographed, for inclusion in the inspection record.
5:01
